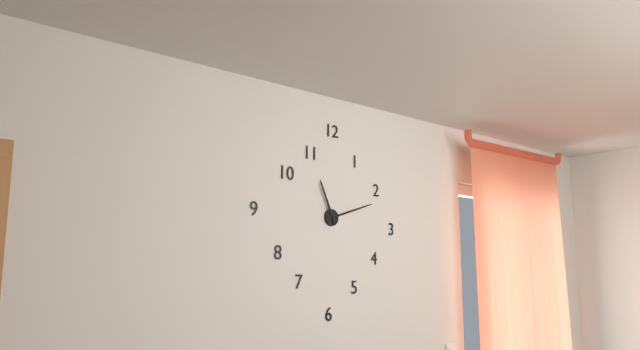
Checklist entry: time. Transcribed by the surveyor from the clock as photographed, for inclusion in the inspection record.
11:12
